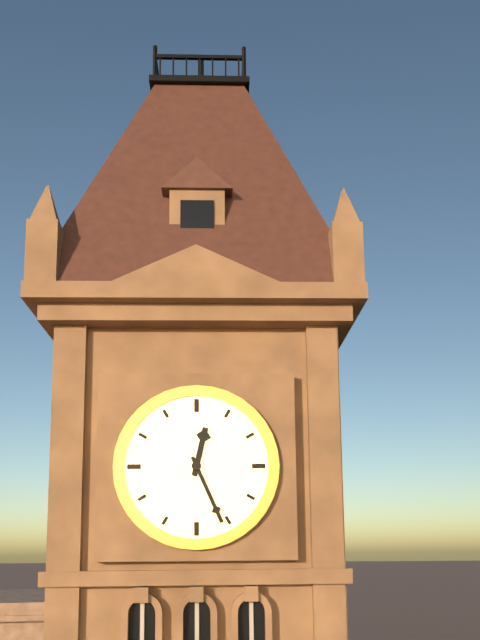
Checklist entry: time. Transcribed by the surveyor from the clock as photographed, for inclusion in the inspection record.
12:26
